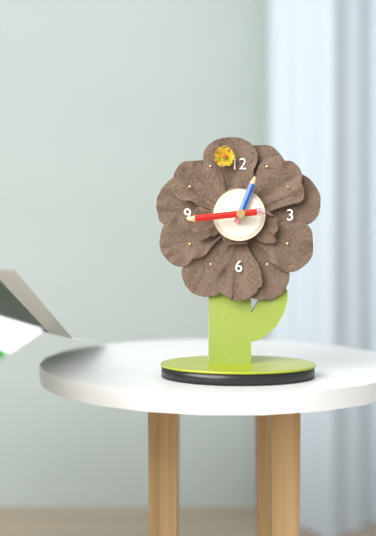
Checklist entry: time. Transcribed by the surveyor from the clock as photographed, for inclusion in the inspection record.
12:44
